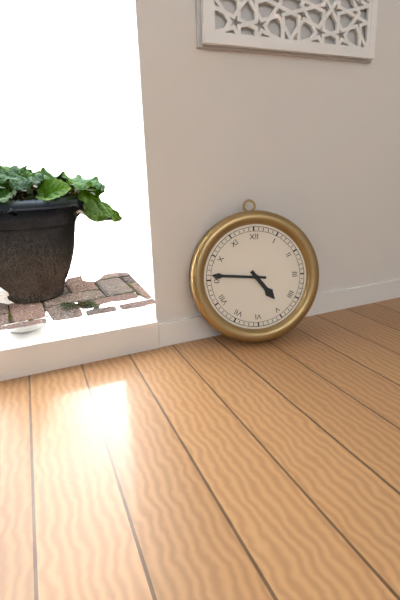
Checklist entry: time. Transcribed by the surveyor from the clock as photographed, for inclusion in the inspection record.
4:46
